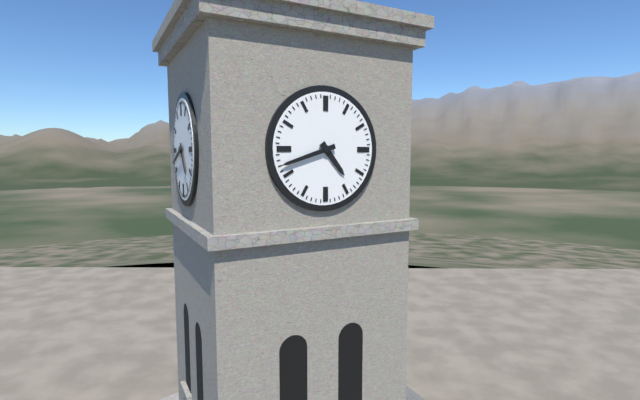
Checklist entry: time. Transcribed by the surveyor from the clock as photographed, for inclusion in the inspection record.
4:42
